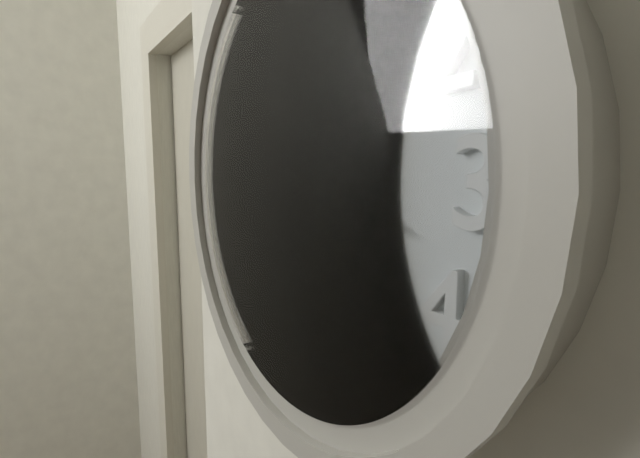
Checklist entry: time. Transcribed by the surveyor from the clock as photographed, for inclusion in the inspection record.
3:31:36
